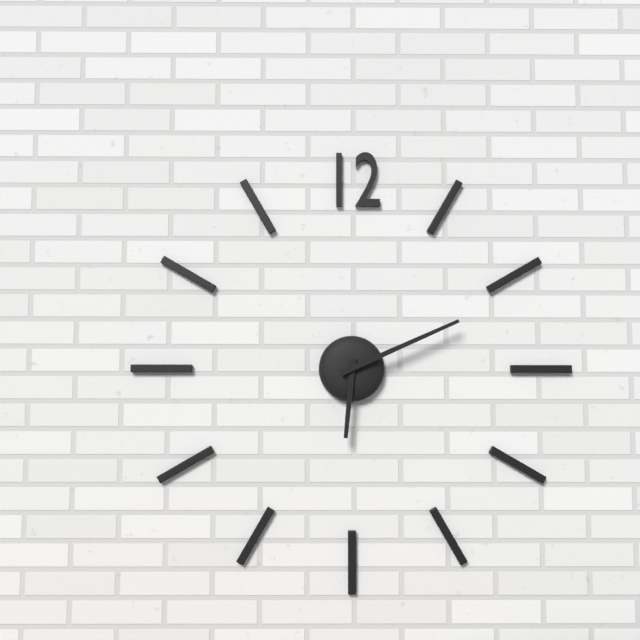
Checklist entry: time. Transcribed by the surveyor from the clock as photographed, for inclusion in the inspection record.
6:11
